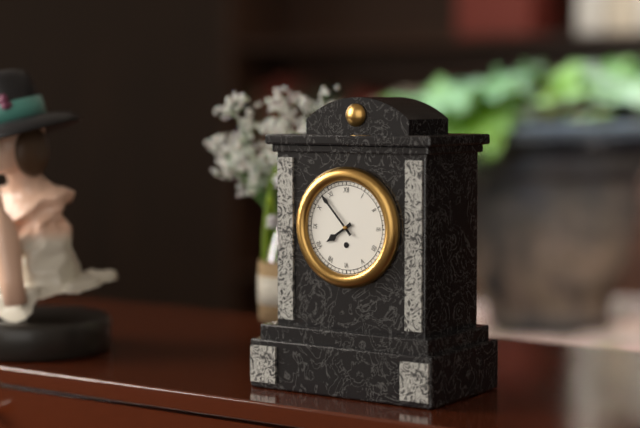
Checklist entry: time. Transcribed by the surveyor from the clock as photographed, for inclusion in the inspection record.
7:53
